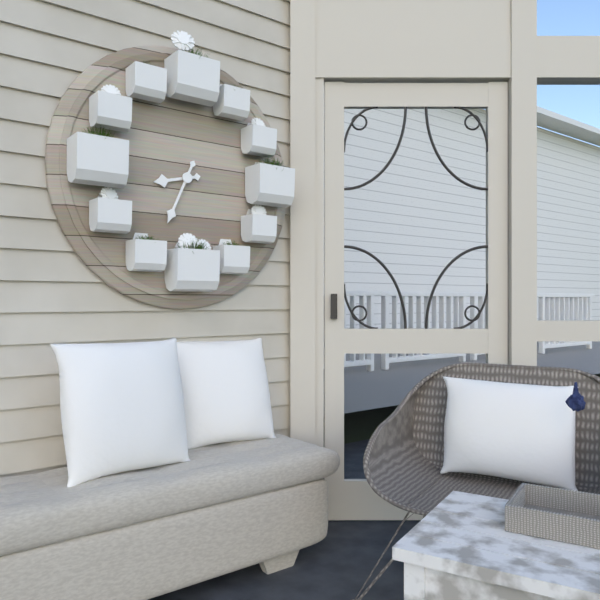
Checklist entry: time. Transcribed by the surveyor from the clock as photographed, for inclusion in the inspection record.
8:34
